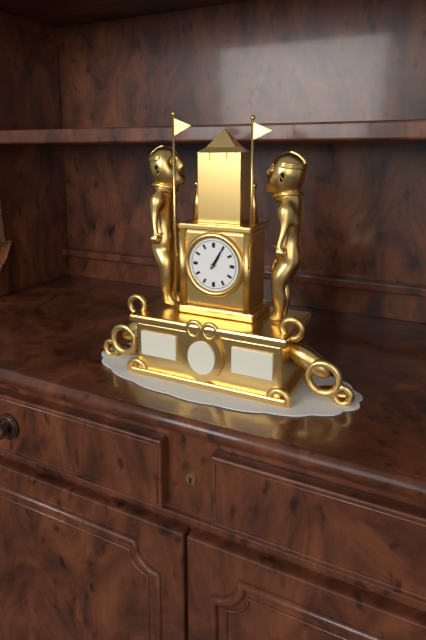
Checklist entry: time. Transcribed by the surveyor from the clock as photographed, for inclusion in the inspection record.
1:05
